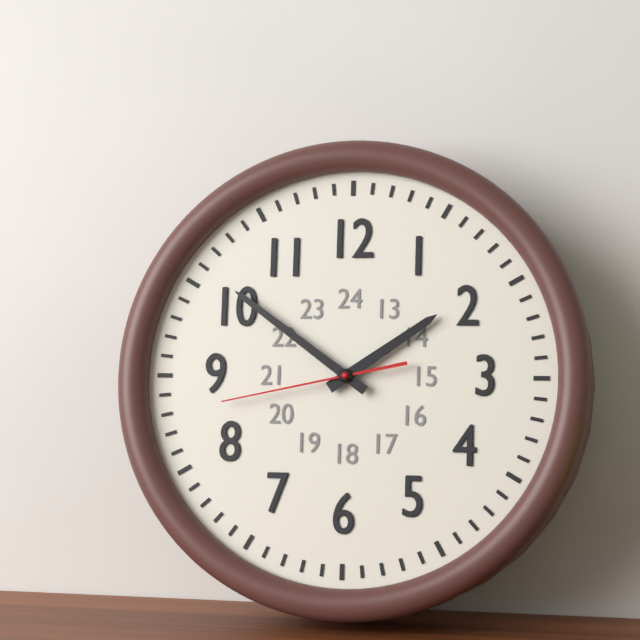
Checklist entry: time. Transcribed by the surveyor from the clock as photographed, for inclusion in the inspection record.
1:51:43
